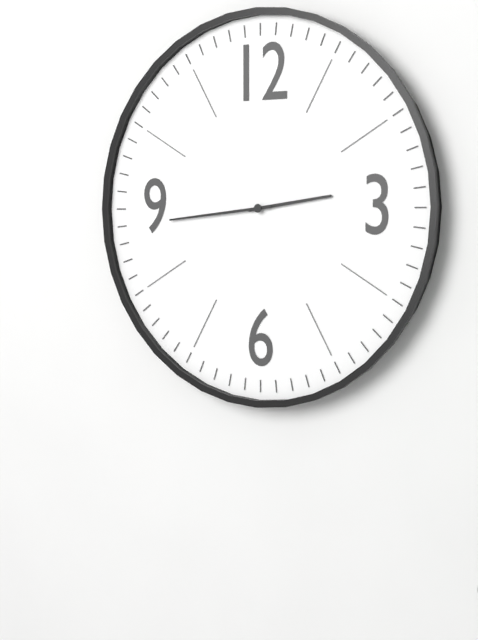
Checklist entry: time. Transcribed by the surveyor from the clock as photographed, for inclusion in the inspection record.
2:44
